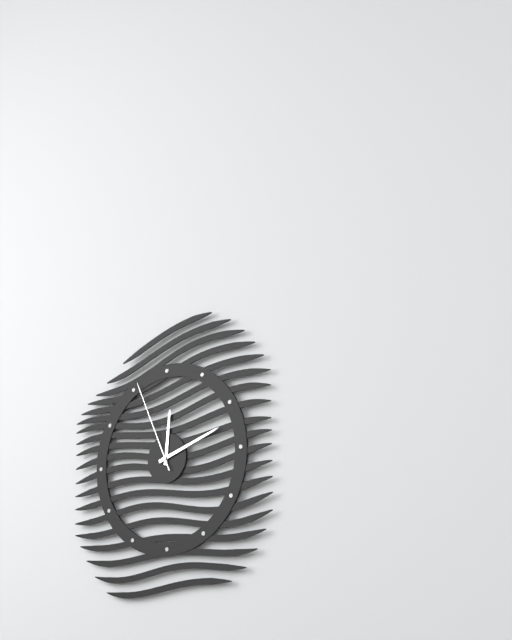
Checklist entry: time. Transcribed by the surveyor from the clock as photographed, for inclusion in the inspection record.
12:12:56
